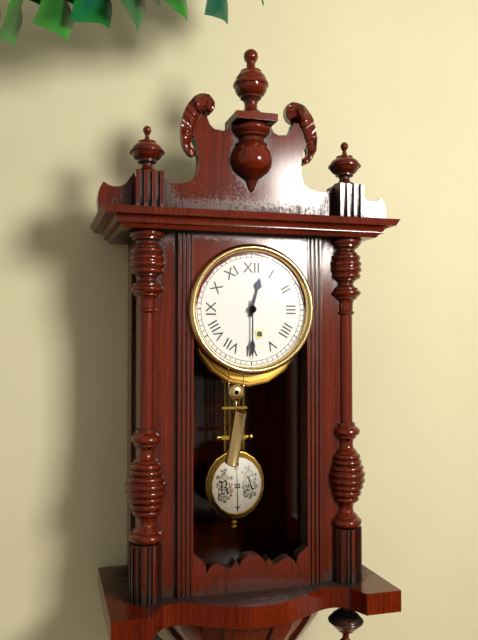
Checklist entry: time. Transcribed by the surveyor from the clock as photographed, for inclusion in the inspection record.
12:30
